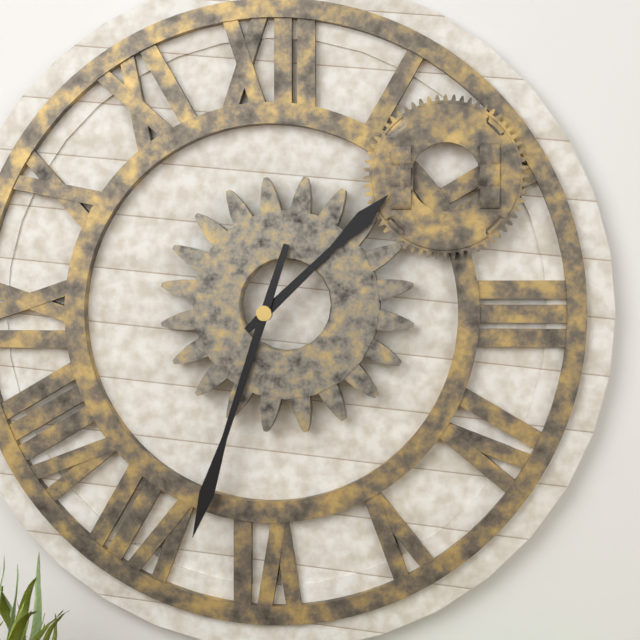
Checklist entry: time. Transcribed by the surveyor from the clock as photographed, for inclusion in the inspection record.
1:33
